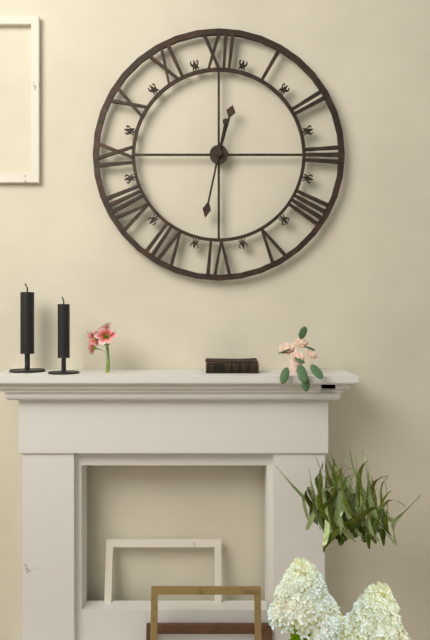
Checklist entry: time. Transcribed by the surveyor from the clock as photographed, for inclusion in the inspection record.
12:32
